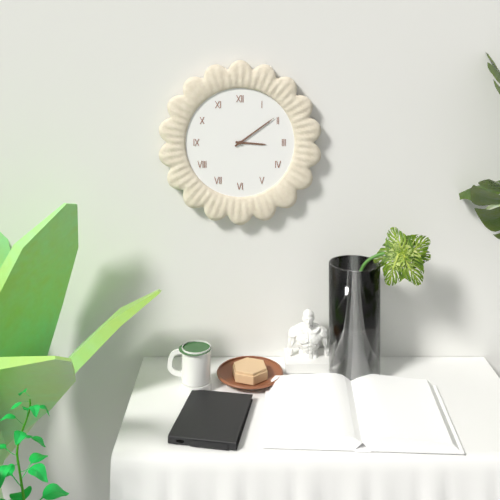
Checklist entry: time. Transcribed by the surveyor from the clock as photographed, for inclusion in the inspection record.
3:09
